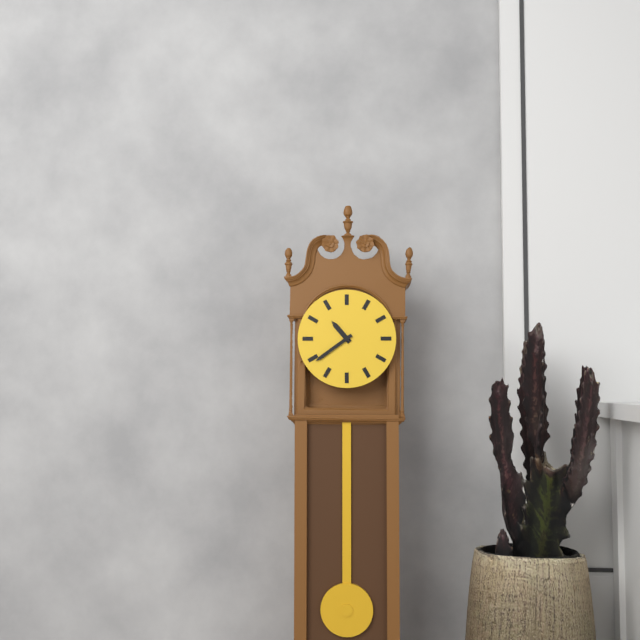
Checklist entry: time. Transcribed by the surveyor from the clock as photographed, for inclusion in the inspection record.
10:39
